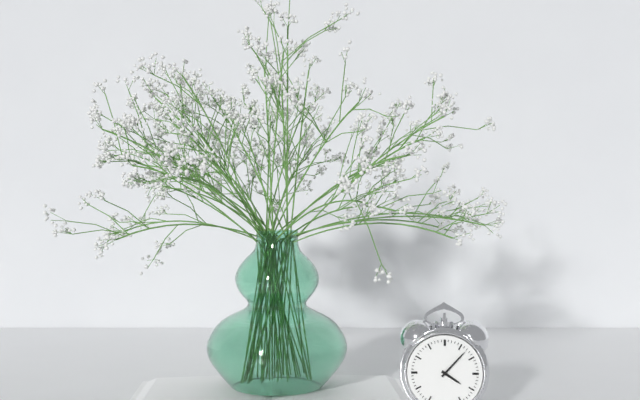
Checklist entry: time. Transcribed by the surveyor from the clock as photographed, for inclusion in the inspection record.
4:07
